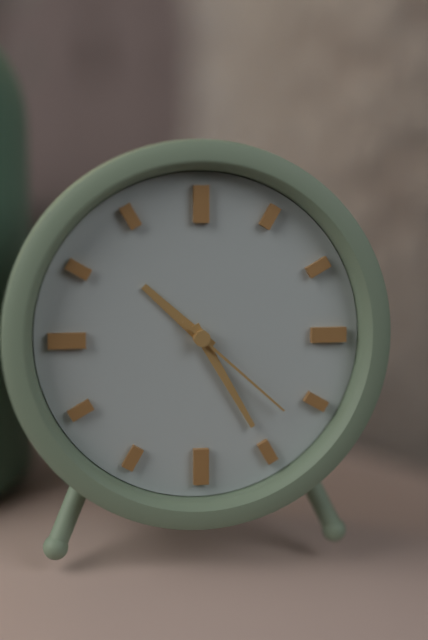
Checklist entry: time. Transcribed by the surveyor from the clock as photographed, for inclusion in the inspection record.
10:25:22
